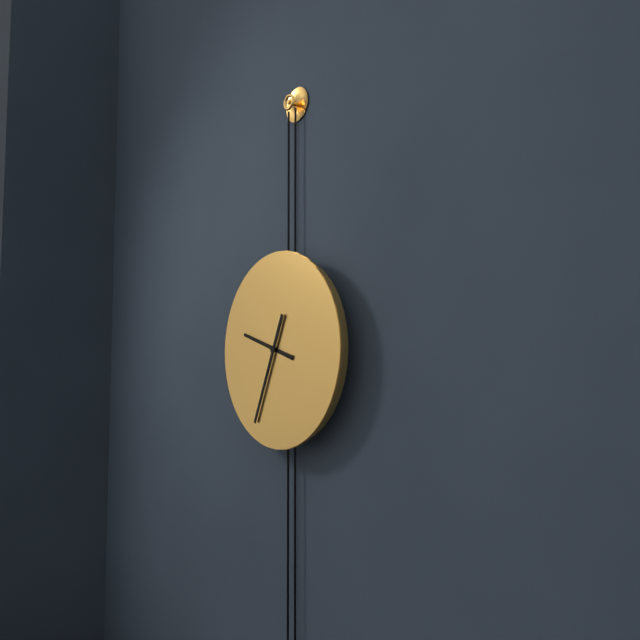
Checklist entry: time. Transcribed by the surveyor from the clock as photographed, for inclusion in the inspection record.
9:34
